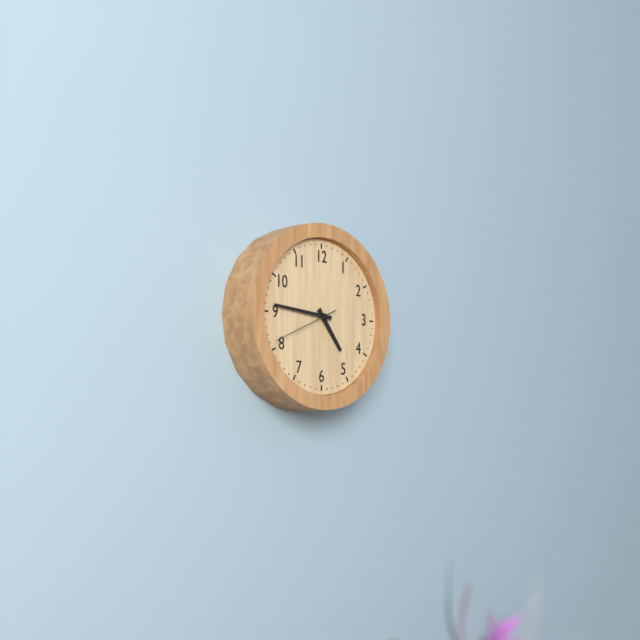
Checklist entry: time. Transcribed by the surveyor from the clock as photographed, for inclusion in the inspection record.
4:46:41
